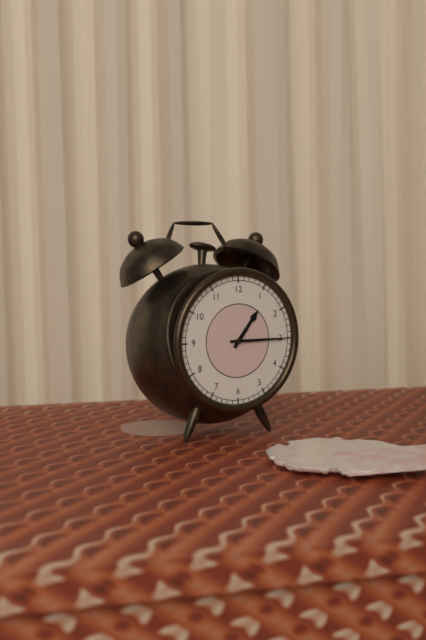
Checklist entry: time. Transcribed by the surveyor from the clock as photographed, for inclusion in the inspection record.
1:15
